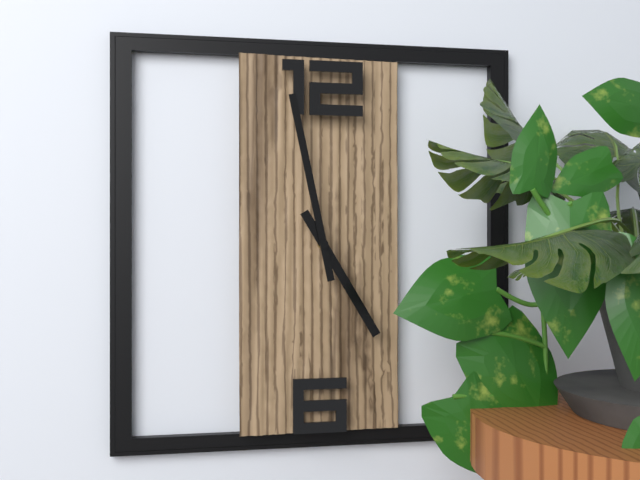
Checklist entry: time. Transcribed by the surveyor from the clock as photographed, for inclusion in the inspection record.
4:58
